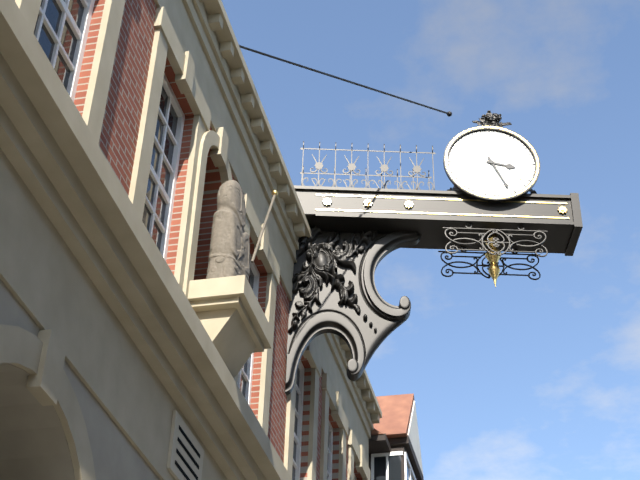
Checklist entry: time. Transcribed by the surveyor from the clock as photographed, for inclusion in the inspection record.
3:26
